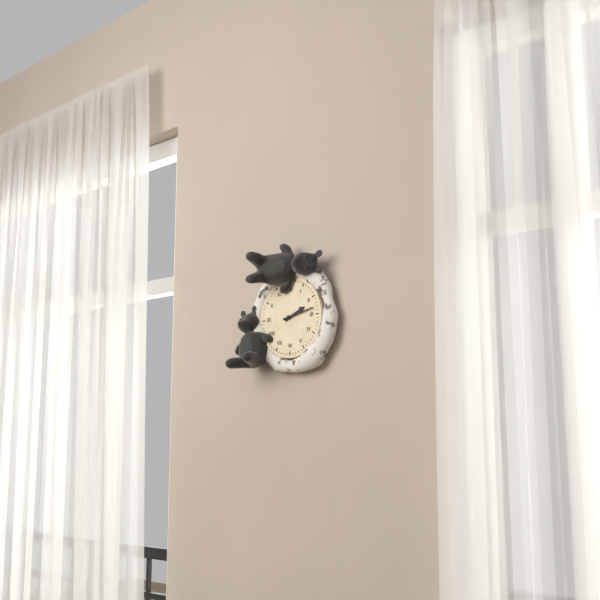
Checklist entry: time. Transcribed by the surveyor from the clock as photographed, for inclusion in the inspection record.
2:13
